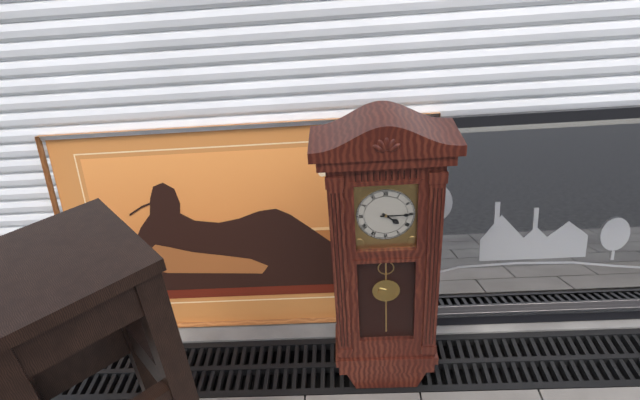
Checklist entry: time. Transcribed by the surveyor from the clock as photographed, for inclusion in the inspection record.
4:15
